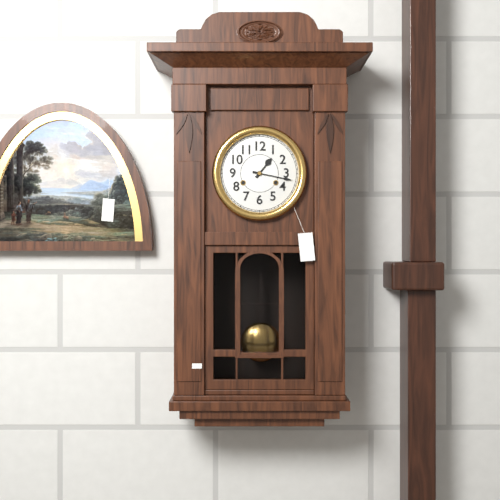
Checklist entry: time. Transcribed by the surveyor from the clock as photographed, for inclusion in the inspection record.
1:17
